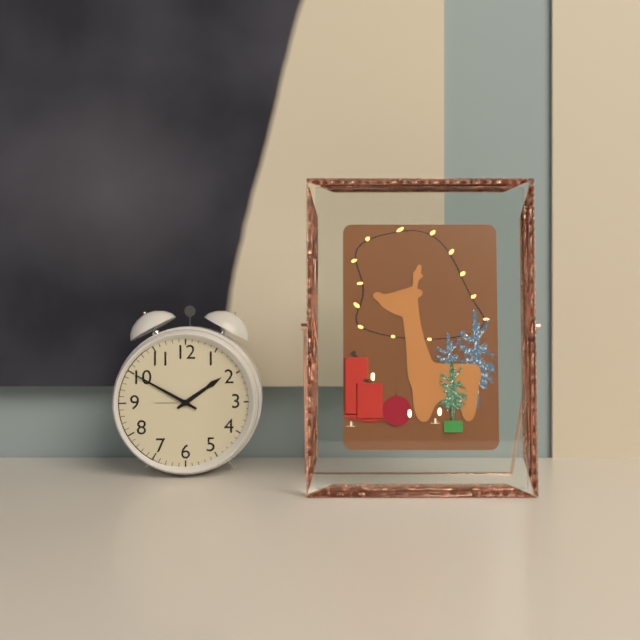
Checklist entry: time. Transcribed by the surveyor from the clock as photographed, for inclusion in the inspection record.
1:50
